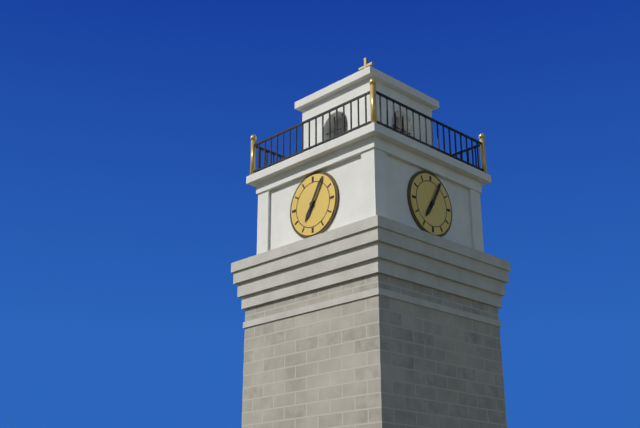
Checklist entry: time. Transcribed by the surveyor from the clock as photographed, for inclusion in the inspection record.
7:05
